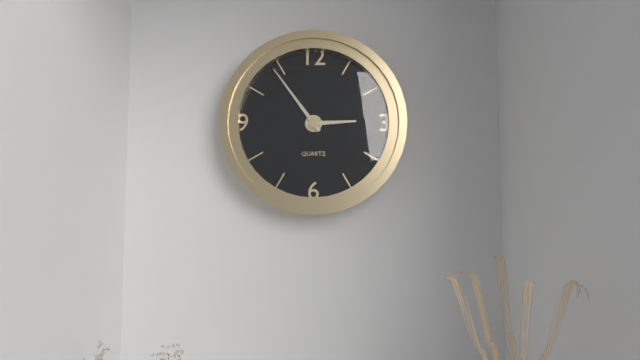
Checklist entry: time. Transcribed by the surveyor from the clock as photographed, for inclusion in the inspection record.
2:54
